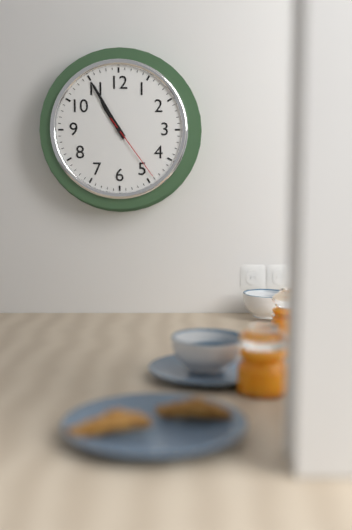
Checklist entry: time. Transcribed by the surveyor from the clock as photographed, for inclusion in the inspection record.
10:55:24
